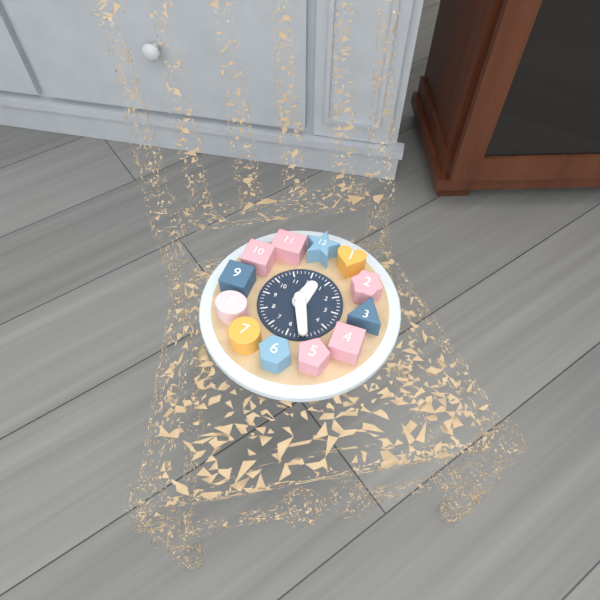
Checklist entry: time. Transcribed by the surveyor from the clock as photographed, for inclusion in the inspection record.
12:26
